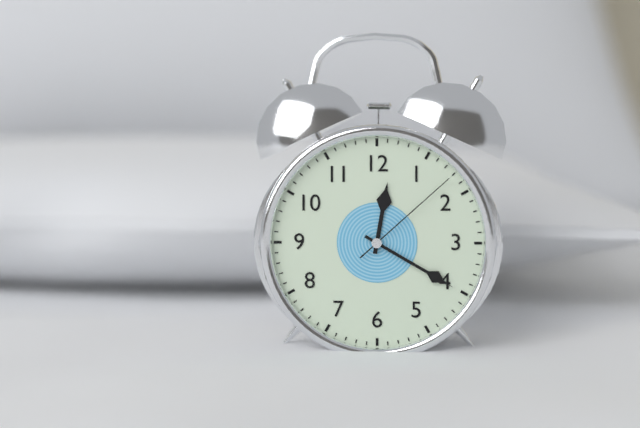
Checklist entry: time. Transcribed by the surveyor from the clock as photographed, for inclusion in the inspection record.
12:20:08
